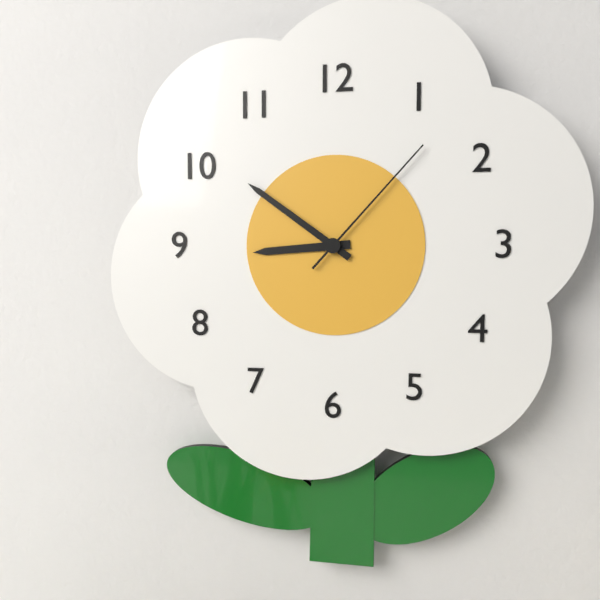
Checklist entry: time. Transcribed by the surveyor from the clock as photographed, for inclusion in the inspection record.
8:51:07
